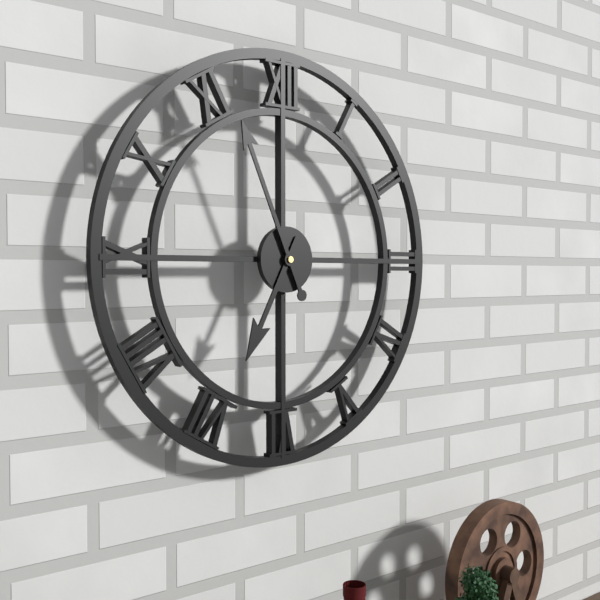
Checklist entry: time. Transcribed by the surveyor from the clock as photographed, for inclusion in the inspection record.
6:56
